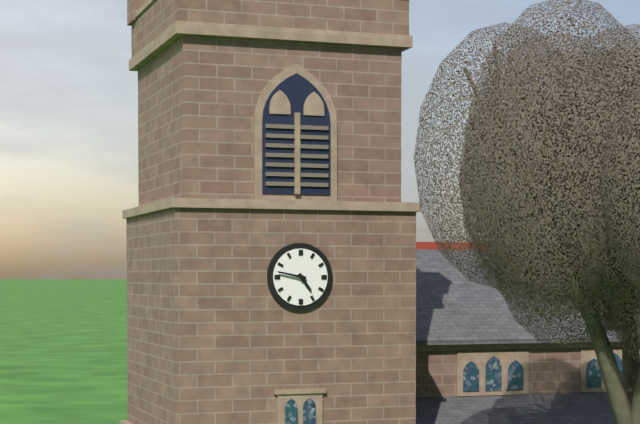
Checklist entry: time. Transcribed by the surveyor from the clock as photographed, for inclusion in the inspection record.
4:47
